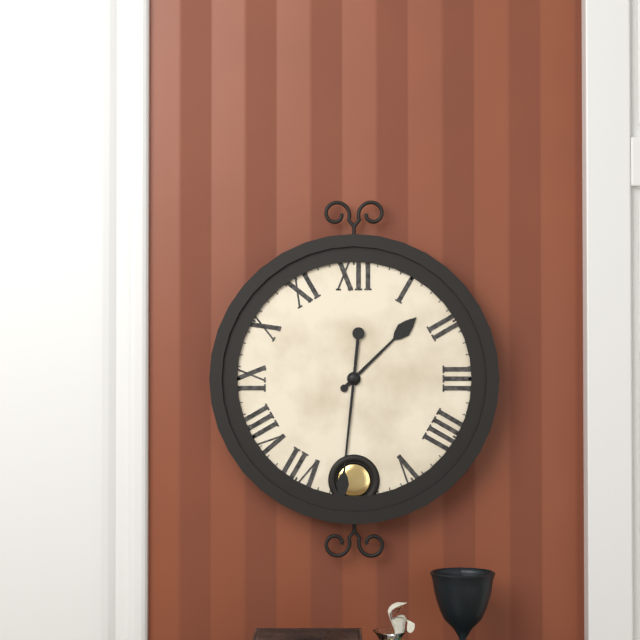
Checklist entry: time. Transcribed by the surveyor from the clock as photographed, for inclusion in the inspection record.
1:31
